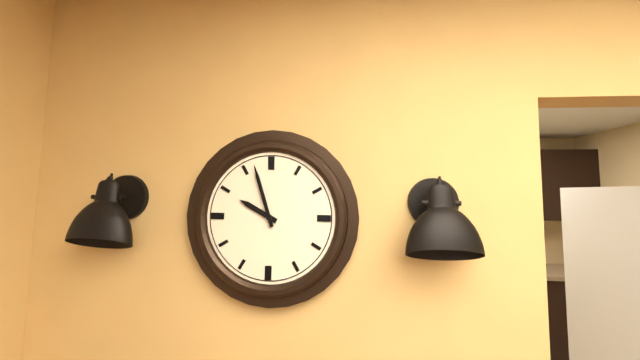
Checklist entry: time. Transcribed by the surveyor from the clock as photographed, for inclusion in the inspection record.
9:57
